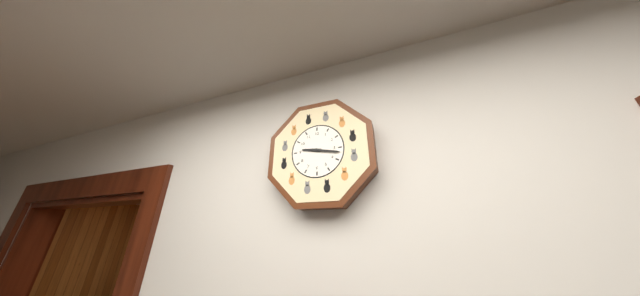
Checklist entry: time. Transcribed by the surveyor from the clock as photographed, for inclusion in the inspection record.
9:17
